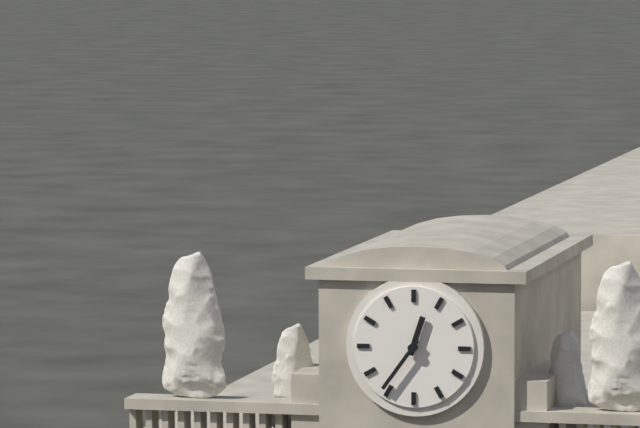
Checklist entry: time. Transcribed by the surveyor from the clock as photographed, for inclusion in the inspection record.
12:36
